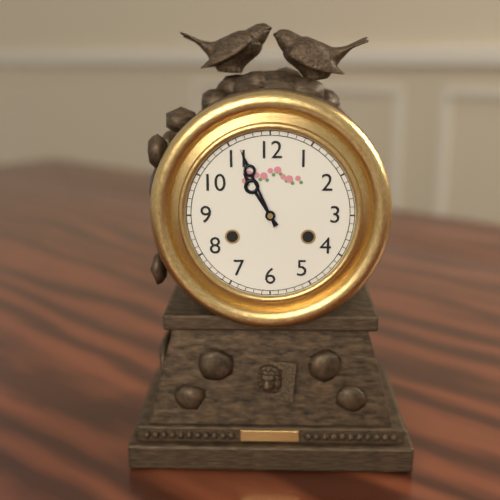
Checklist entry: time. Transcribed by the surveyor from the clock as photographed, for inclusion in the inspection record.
10:56
